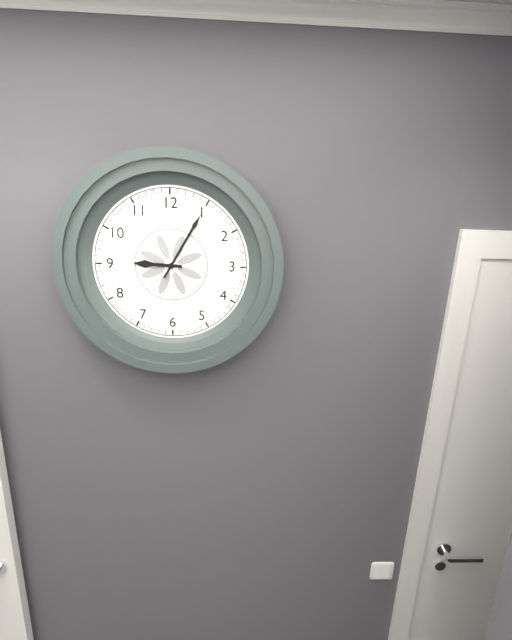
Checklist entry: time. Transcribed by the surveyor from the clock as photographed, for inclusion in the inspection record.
9:05
